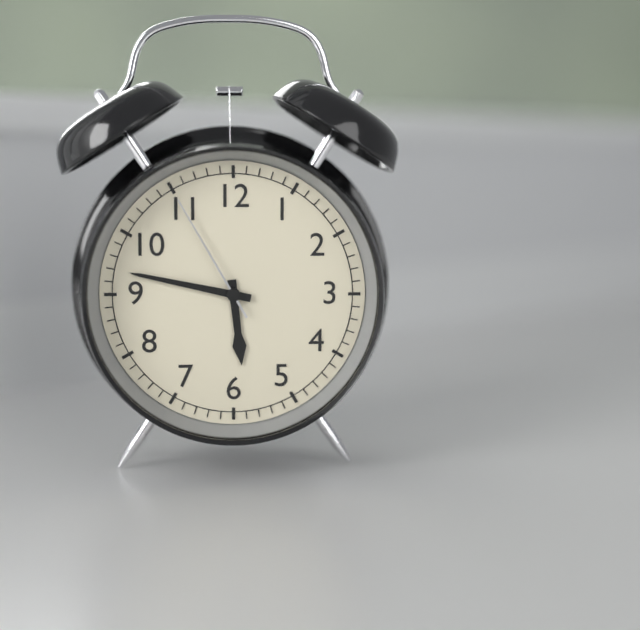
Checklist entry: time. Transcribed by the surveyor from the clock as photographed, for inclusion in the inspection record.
5:47:55
